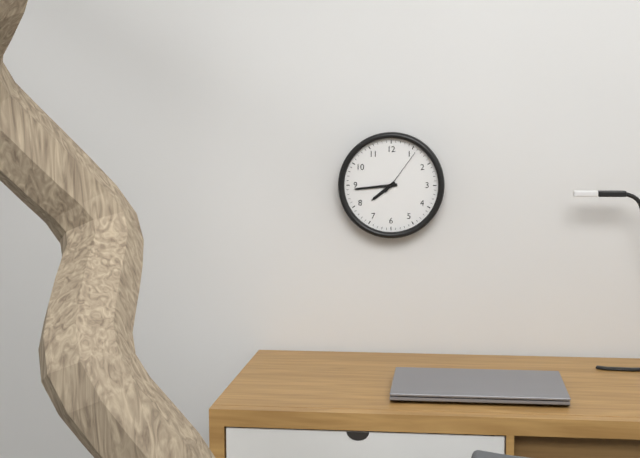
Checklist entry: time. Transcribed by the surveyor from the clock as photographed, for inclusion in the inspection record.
7:44:06
